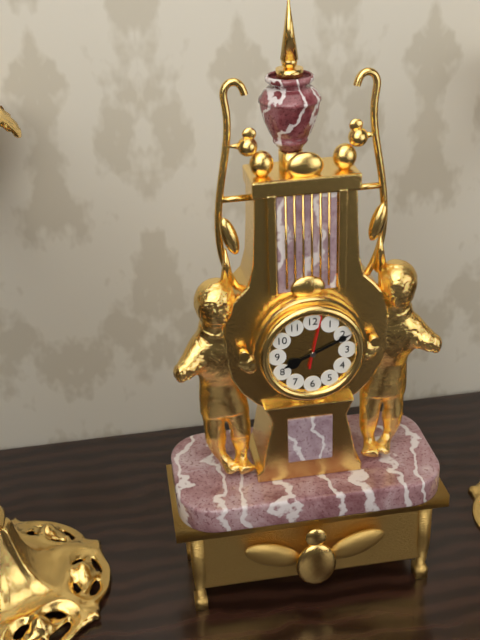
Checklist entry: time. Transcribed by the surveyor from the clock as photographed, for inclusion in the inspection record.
8:11:02
